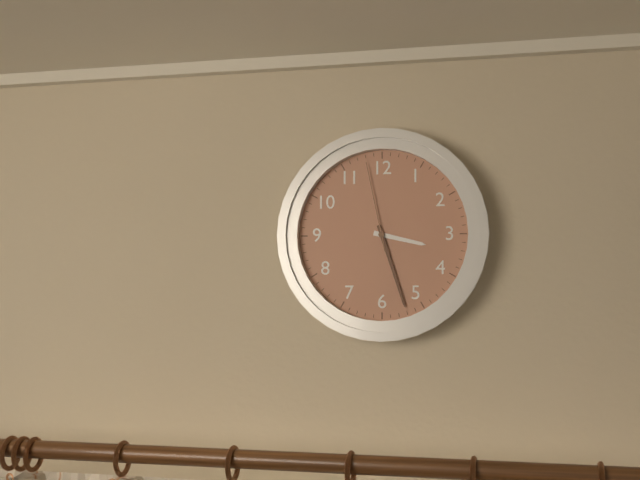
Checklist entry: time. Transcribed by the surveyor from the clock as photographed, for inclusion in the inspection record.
3:27:58
